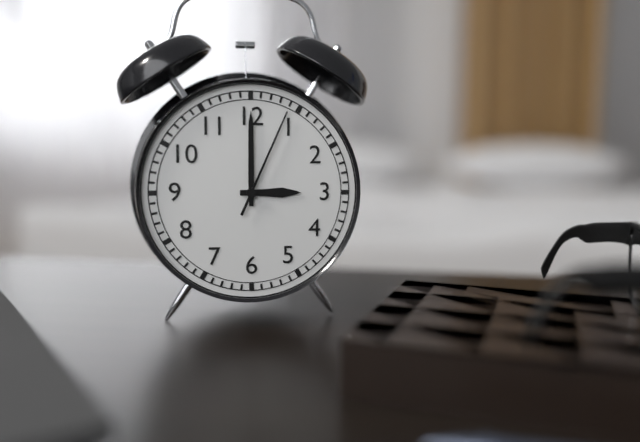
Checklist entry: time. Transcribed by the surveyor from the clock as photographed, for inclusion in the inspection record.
3:00:04
